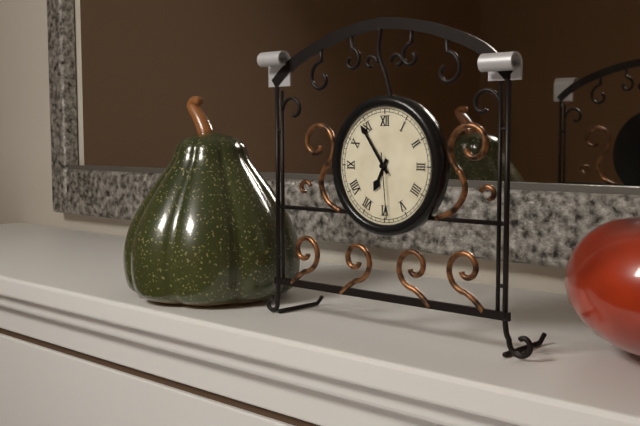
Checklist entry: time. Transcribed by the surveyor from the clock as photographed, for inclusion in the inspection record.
6:54:29
